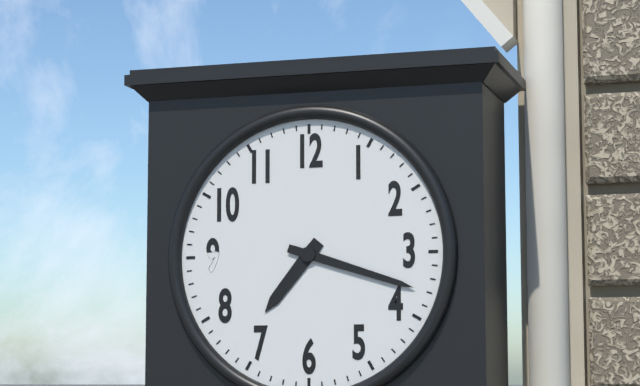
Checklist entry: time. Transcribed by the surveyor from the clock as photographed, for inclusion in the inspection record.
7:18
